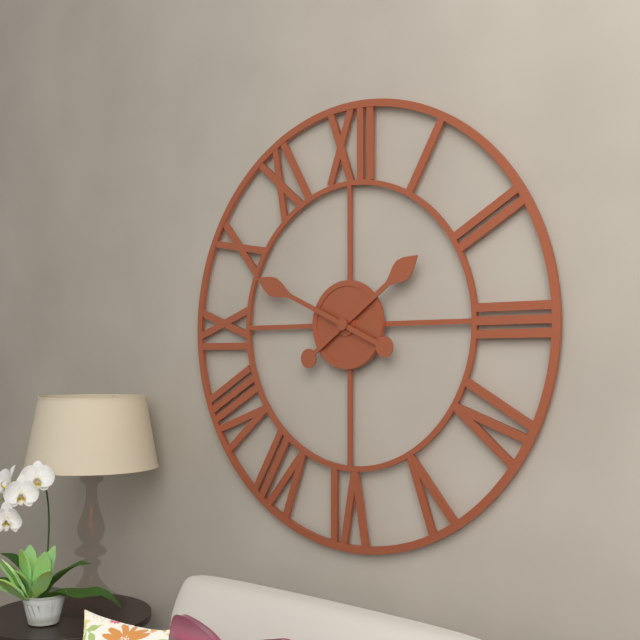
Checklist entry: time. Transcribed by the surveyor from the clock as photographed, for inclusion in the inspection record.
1:49
